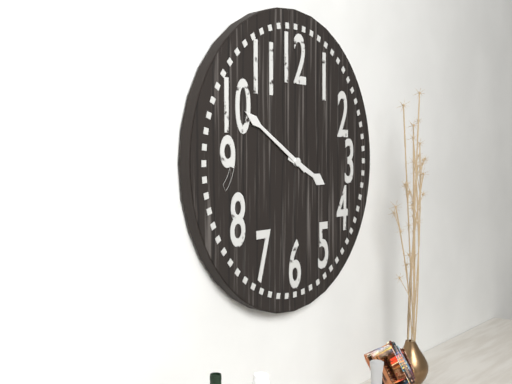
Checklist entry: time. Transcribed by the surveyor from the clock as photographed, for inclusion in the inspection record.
3:50
